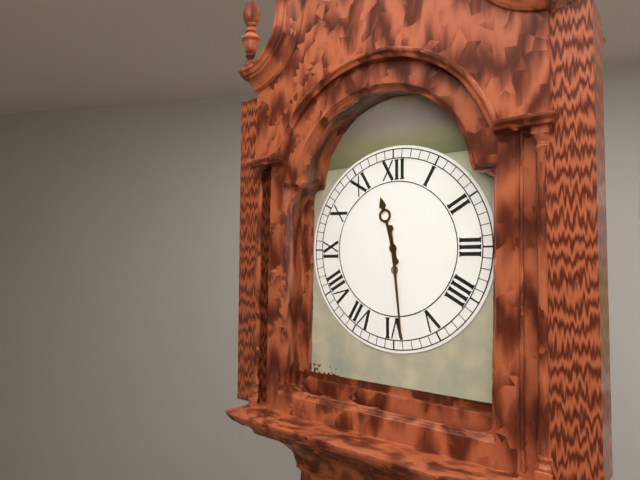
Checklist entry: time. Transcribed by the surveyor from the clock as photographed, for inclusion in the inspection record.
11:29
